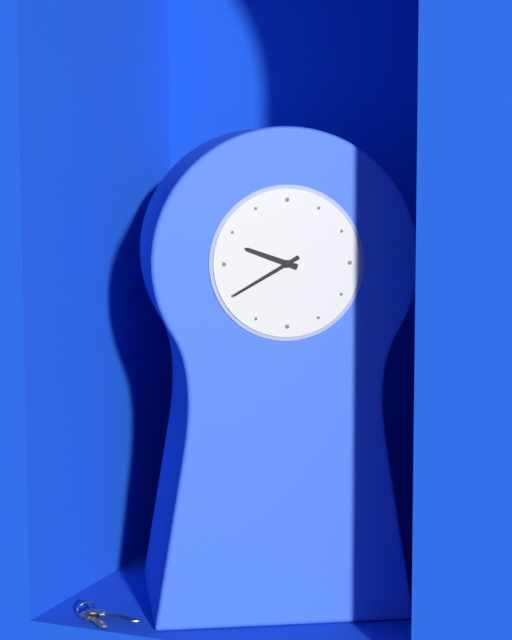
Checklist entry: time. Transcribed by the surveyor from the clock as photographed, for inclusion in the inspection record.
9:40
